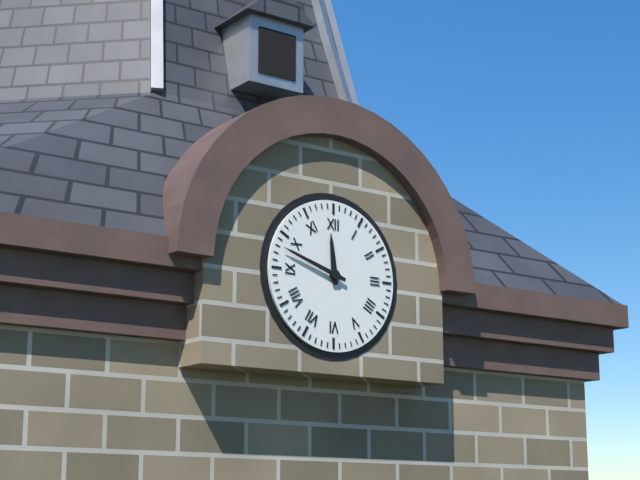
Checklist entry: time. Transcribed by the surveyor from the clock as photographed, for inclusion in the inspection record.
11:48
